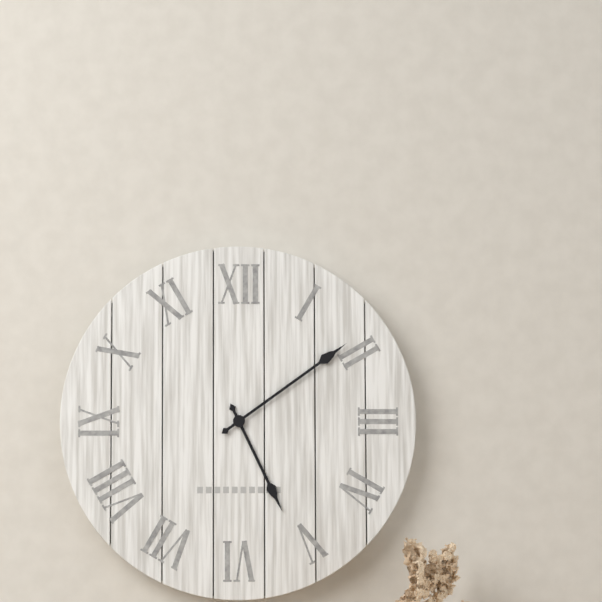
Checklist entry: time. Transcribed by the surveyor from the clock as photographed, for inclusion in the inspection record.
5:09
